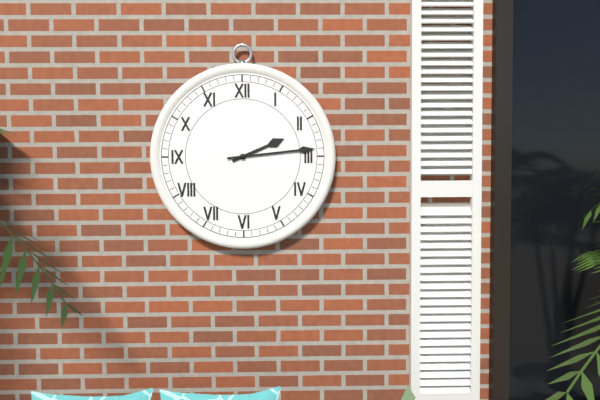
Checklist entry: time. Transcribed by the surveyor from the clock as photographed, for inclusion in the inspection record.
2:14
